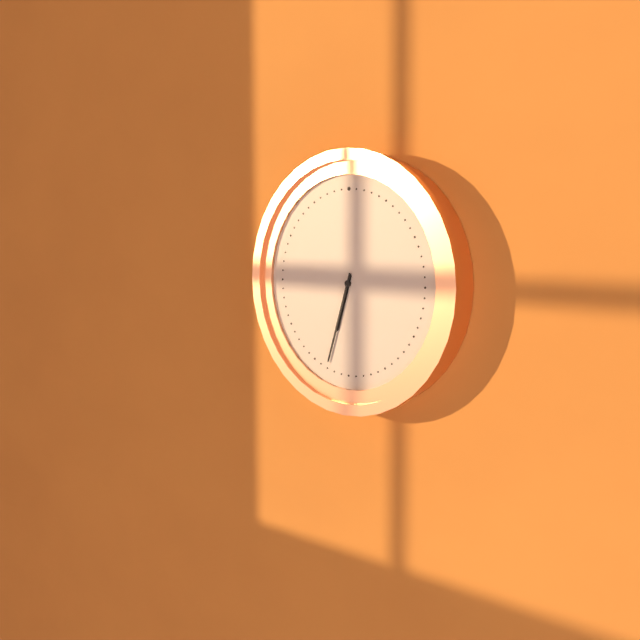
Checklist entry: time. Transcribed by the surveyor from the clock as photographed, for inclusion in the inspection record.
6:33
